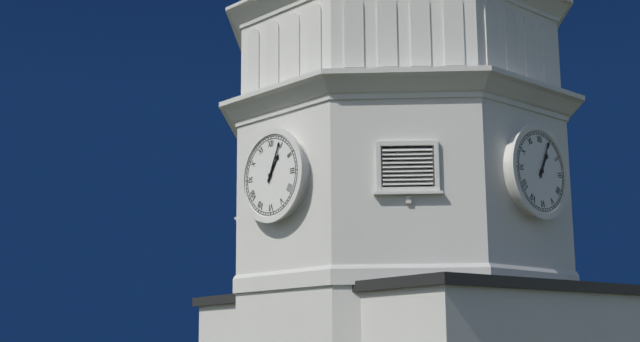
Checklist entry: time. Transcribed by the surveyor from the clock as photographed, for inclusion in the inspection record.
1:04
